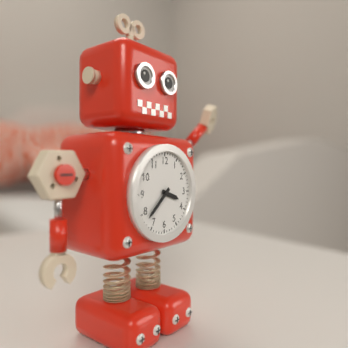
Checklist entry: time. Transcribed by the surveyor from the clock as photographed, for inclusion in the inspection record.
3:38
